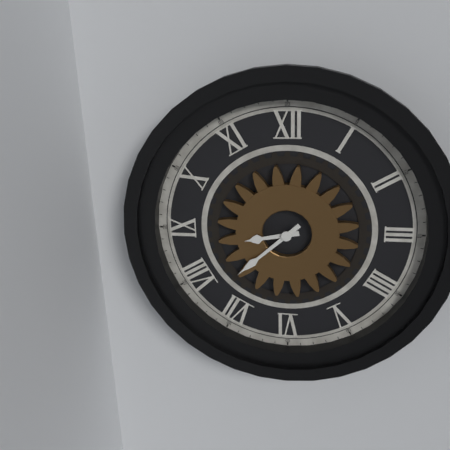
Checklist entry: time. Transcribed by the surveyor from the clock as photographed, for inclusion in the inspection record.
8:38
